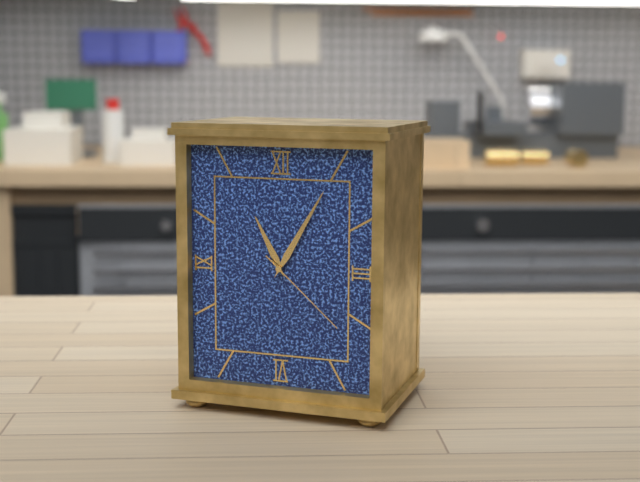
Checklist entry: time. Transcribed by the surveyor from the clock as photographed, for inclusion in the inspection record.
11:05:22
